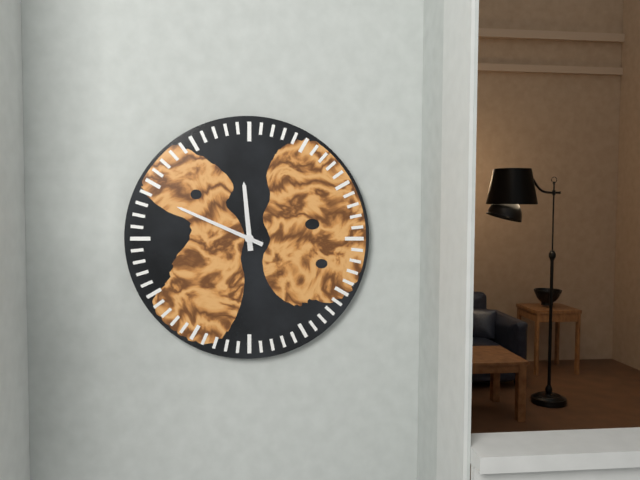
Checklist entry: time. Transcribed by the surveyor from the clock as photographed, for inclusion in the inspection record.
11:49
